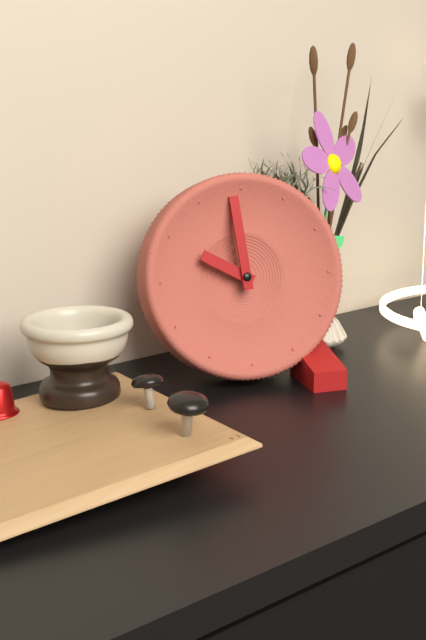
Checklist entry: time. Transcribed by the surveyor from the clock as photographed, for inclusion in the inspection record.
9:59
